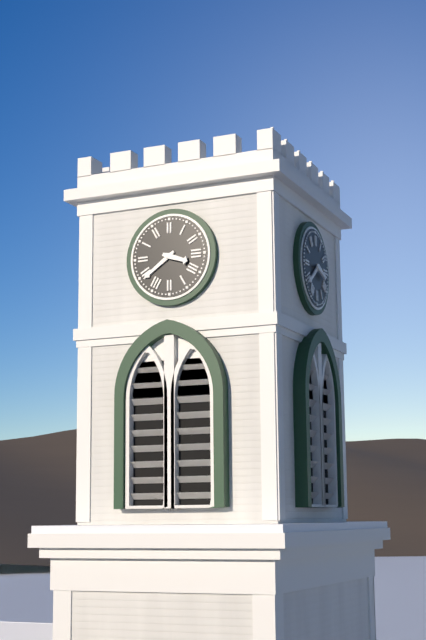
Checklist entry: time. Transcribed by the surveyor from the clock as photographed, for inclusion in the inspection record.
3:39
